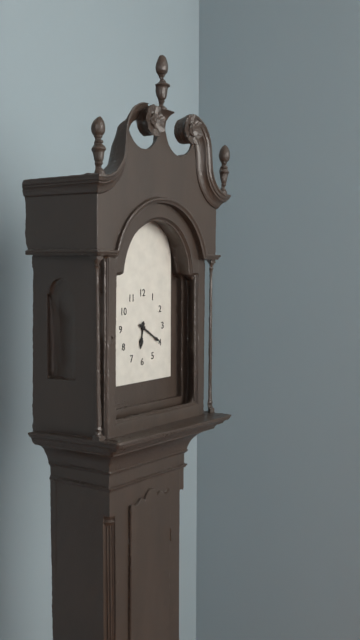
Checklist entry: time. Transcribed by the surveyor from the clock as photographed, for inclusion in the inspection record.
6:20
